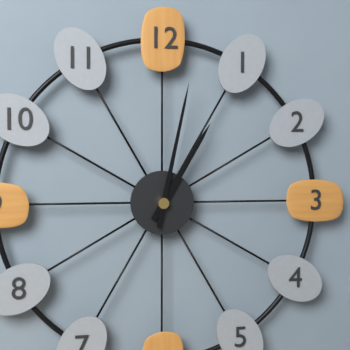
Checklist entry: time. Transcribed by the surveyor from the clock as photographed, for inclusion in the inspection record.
1:02
